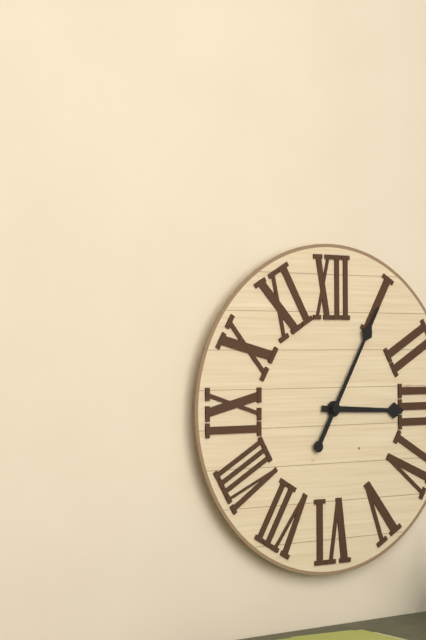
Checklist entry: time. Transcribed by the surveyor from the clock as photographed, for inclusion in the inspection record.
3:05
